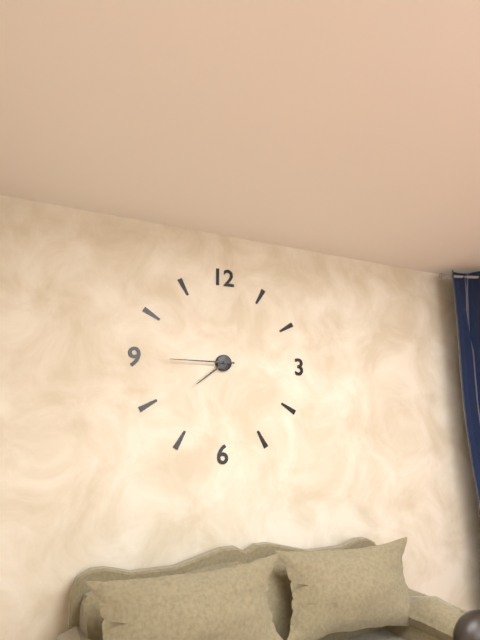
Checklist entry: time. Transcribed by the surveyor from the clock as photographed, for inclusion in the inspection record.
7:45
